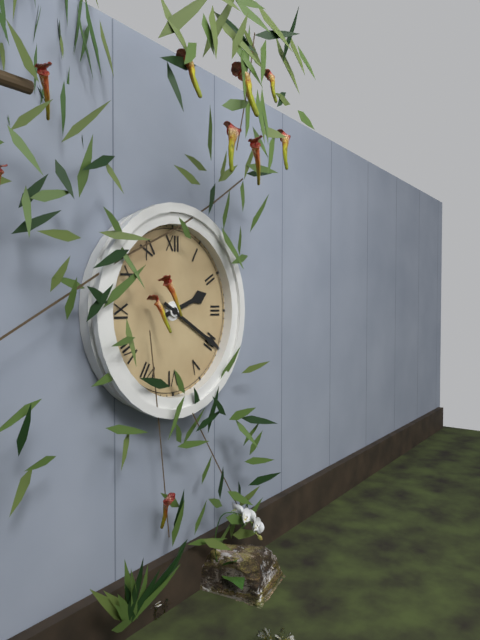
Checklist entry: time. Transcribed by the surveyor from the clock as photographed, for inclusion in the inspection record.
2:20
